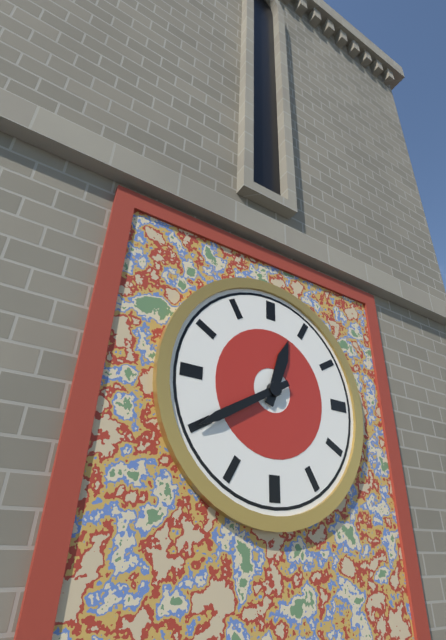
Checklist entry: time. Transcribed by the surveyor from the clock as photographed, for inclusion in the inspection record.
12:40
